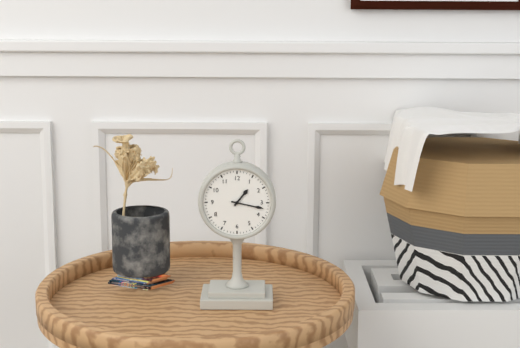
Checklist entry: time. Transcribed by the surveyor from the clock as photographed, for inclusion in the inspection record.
1:17
